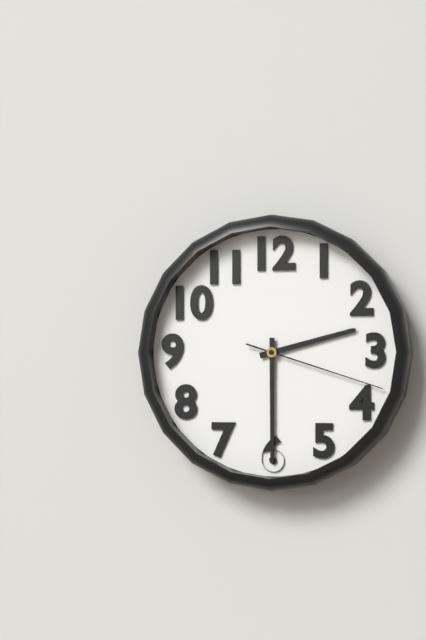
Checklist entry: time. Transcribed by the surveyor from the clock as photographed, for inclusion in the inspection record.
2:30:18
